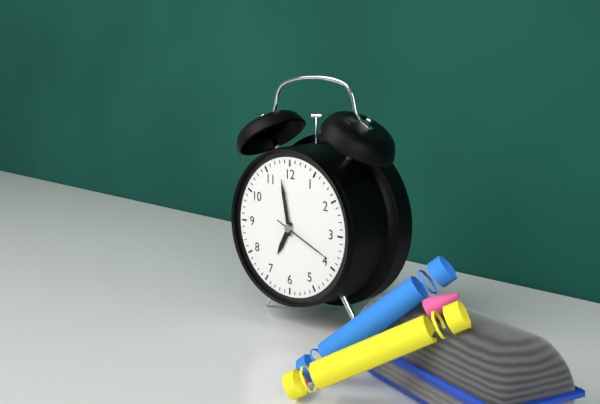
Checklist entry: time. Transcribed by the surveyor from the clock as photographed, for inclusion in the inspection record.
6:58:19
